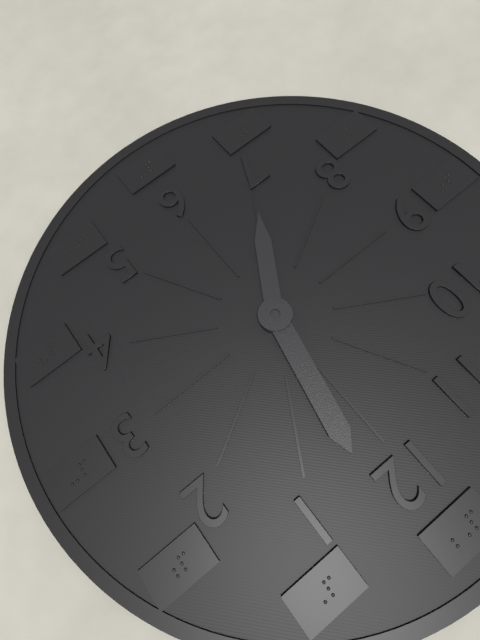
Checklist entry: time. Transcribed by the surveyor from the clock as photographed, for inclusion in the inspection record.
7:02
